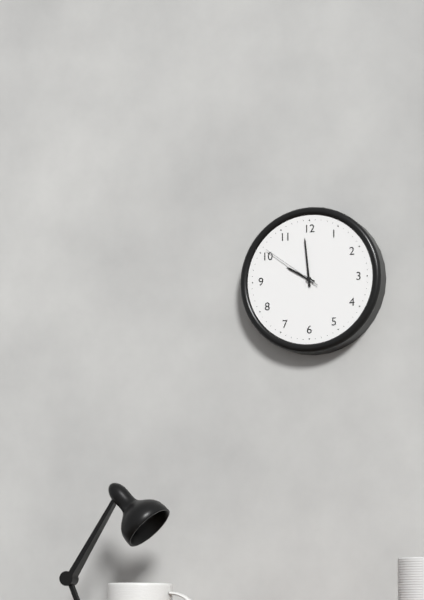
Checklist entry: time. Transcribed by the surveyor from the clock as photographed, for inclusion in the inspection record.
9:59:51
